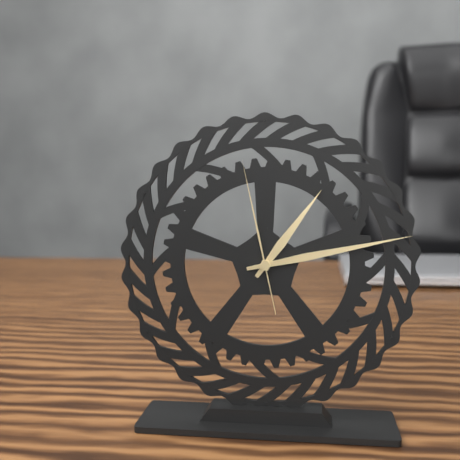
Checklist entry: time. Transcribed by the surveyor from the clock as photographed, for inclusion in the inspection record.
1:13:58
